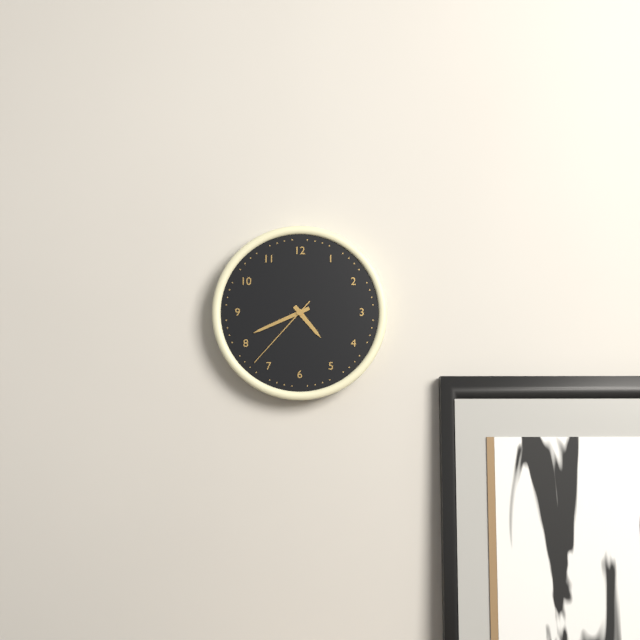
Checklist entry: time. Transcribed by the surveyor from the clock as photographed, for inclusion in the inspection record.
4:41:37
